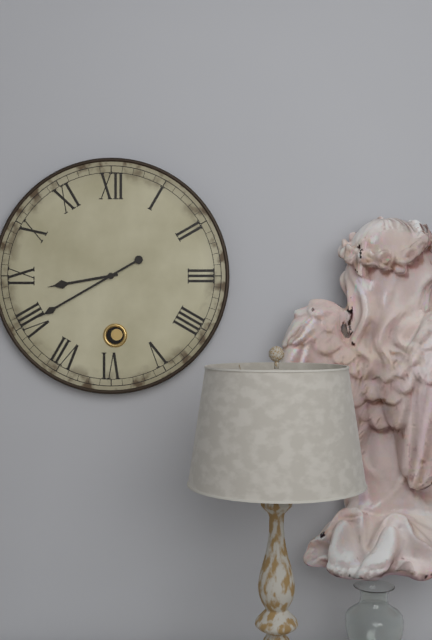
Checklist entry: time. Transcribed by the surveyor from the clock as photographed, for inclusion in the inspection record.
8:40
